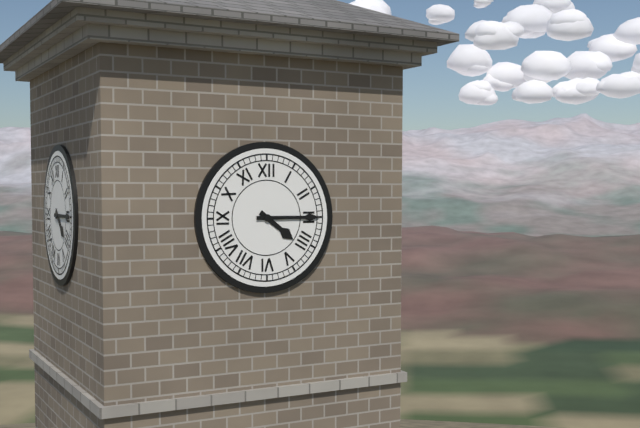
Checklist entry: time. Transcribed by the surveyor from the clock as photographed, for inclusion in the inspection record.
4:15
